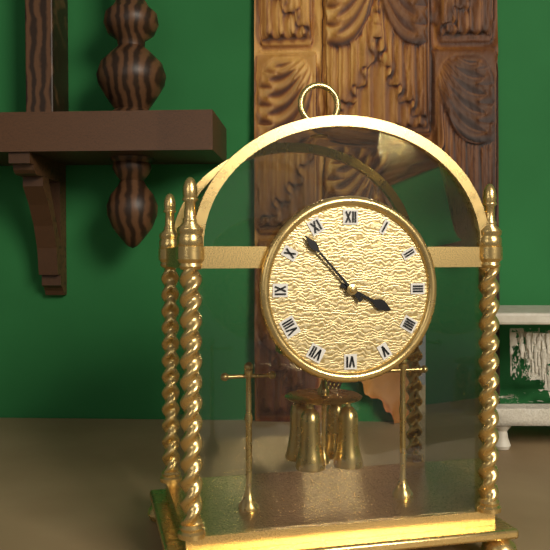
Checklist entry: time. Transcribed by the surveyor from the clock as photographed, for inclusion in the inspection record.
3:53
